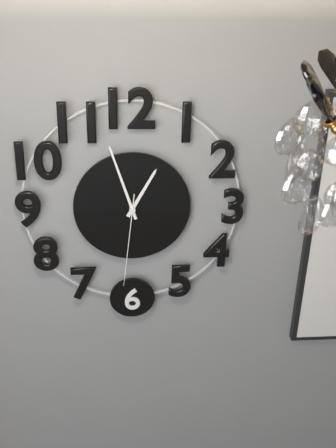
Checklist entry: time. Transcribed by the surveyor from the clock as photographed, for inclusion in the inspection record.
12:57:31
